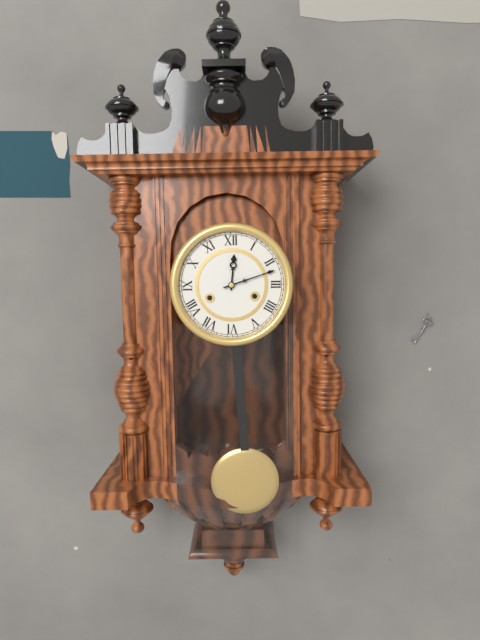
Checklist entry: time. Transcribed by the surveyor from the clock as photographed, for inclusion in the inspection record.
12:12
